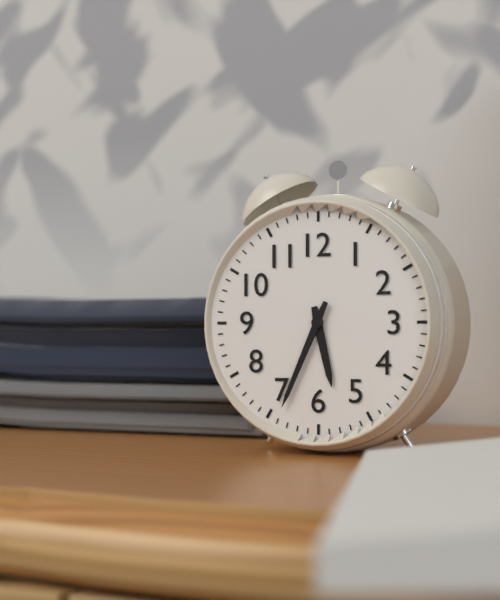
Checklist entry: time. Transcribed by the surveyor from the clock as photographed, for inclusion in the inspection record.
5:34
